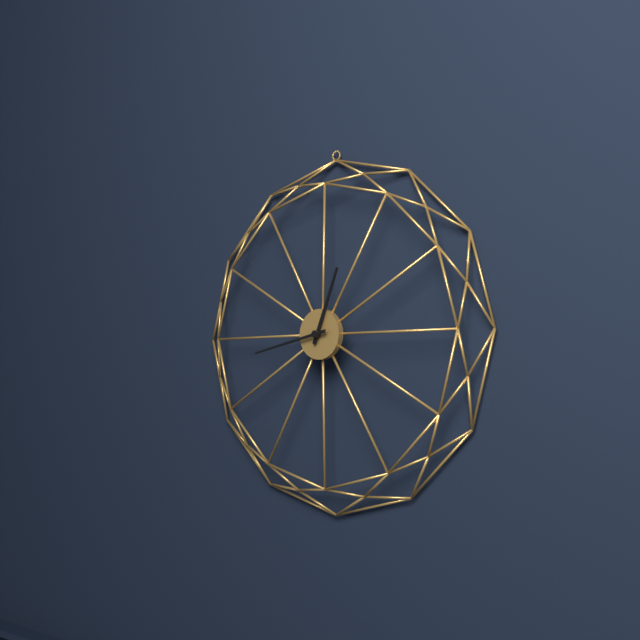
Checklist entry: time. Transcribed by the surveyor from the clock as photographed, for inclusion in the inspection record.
12:43
